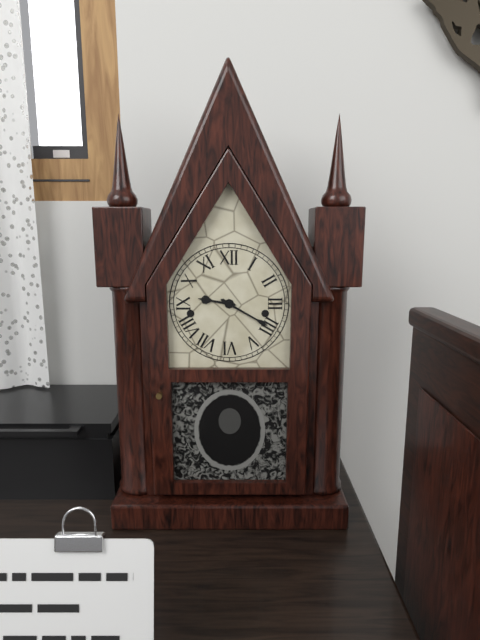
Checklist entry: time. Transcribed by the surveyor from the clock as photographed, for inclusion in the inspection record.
9:20
